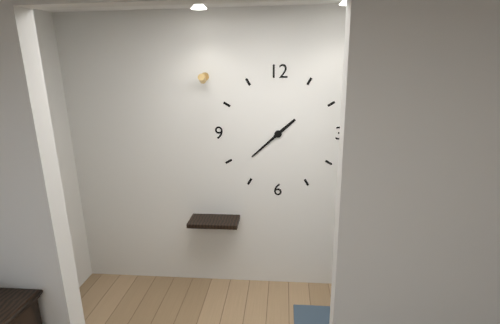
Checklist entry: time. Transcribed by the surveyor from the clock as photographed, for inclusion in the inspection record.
1:38
